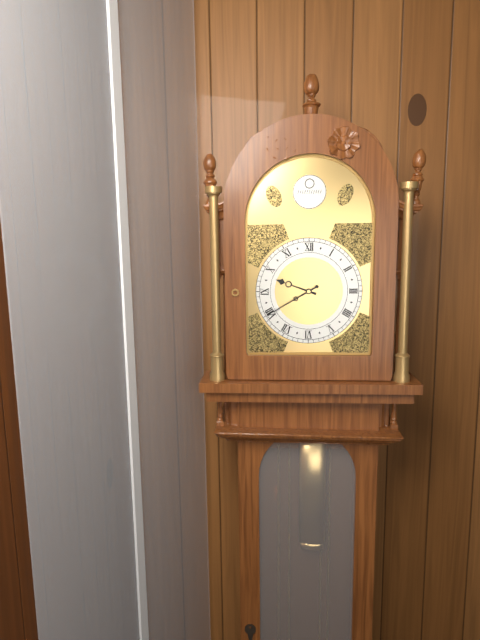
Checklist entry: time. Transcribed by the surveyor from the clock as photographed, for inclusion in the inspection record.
9:40
